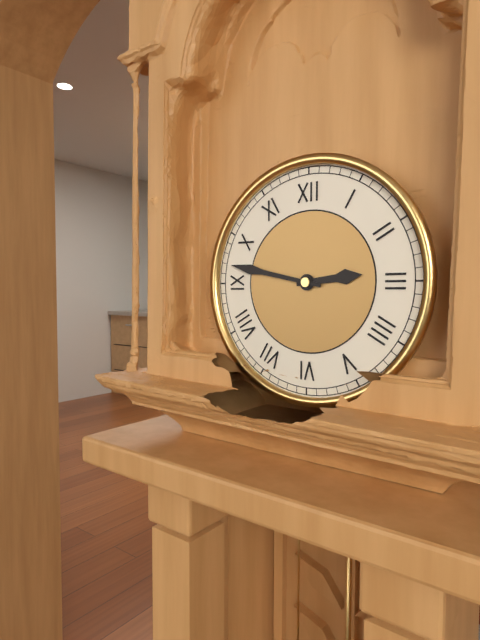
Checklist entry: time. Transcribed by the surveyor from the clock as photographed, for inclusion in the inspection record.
2:47
